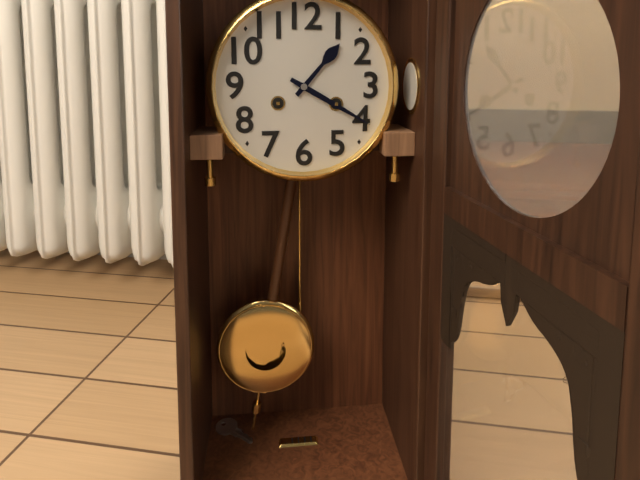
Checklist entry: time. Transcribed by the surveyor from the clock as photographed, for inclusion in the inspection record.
1:20
